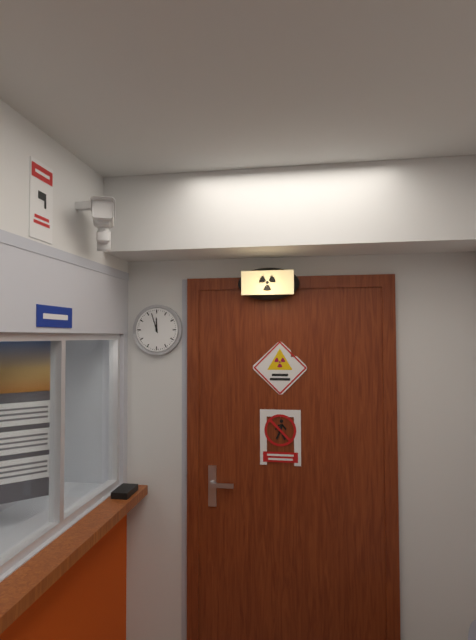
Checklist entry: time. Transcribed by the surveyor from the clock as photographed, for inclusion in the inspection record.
11:57
